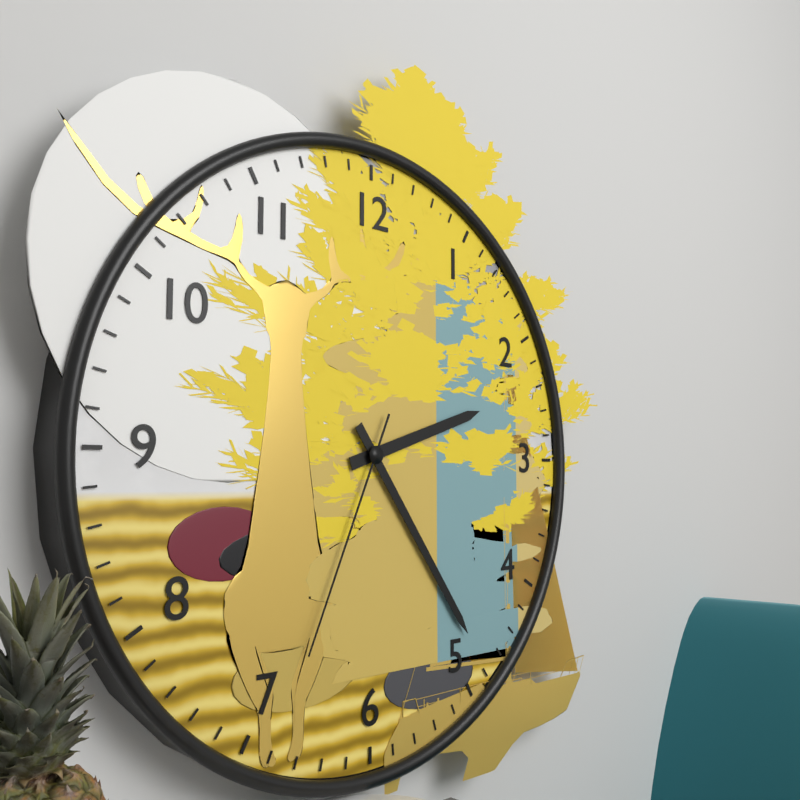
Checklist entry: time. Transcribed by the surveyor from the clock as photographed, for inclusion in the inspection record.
2:24:34
